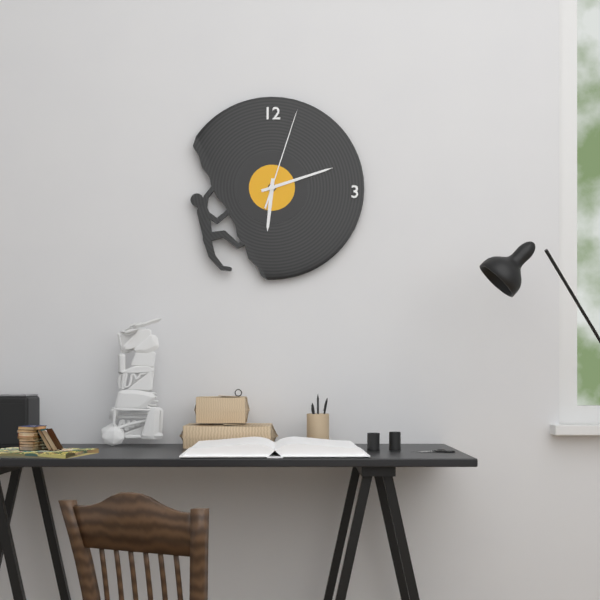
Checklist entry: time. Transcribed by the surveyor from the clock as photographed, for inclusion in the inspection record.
6:12:03
